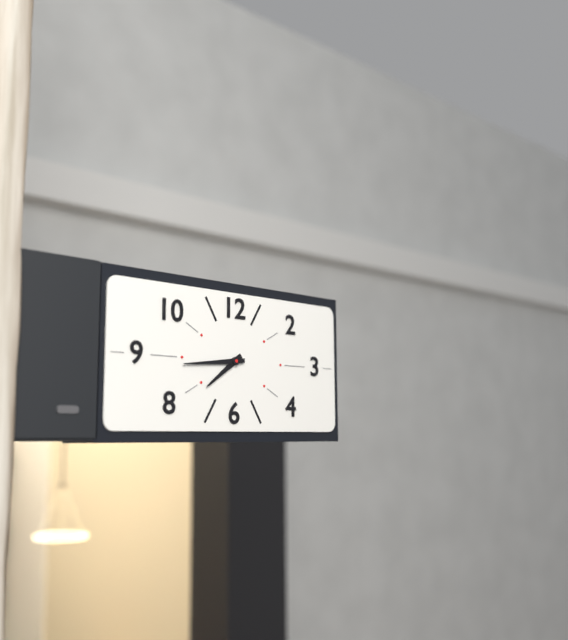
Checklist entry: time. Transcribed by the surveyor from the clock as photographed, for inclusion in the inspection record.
7:44
